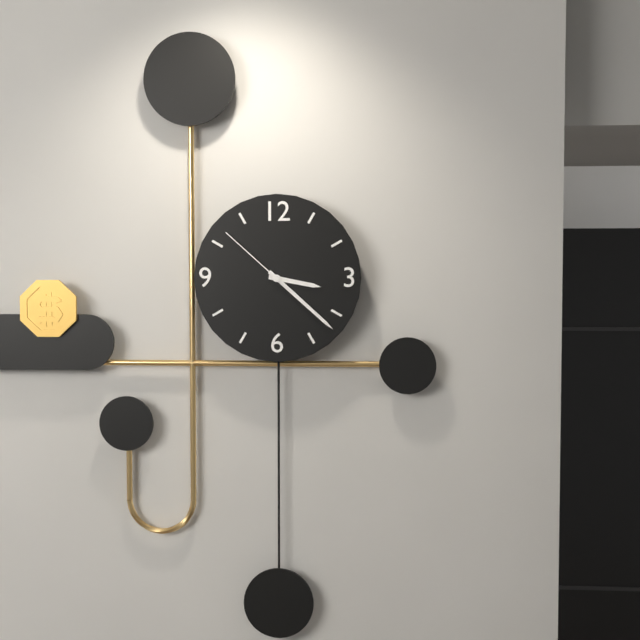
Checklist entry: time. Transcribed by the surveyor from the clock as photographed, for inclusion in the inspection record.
3:22:52
